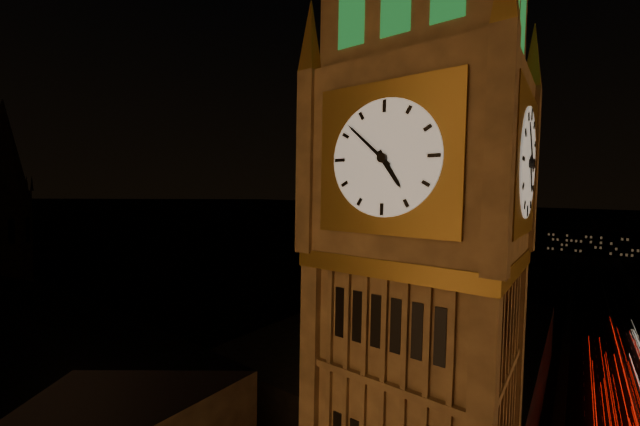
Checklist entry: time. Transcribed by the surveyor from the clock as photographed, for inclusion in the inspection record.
4:52
